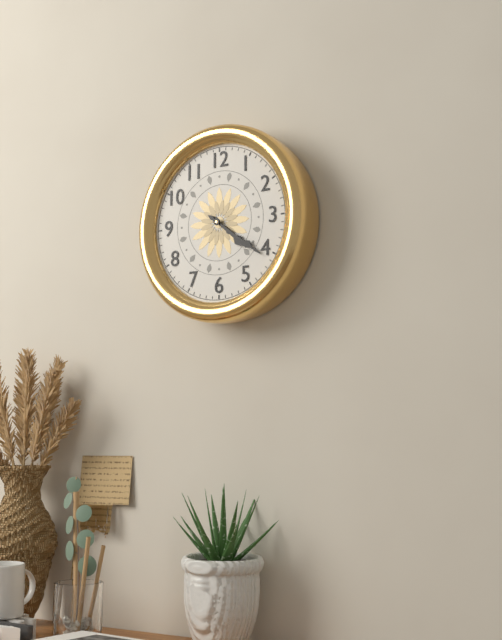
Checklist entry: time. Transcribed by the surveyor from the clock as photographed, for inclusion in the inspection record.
4:21
